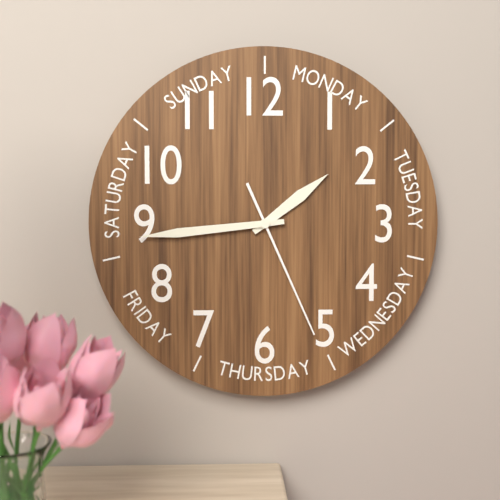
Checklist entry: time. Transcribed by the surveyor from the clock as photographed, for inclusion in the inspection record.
1:44:26
